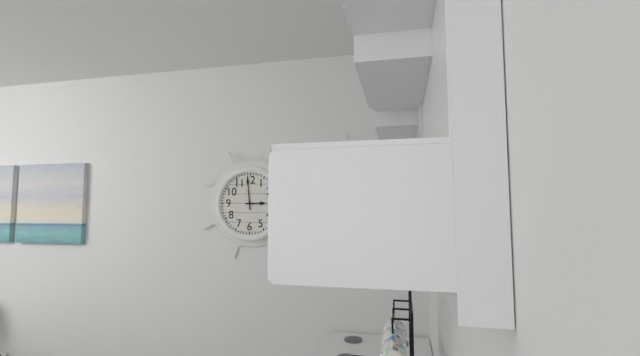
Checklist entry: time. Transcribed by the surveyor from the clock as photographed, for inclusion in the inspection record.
2:59
